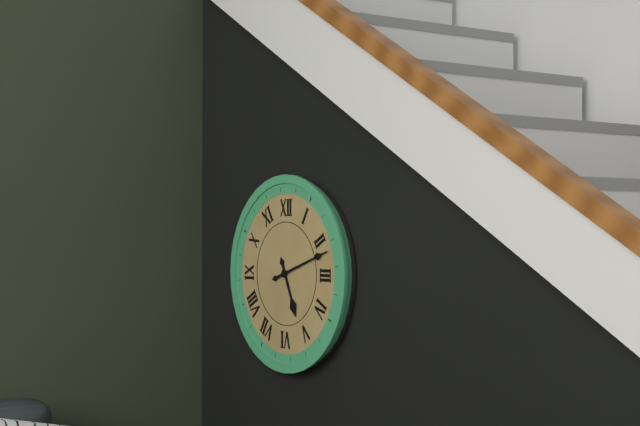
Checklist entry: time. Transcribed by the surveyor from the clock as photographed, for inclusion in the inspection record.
5:12
